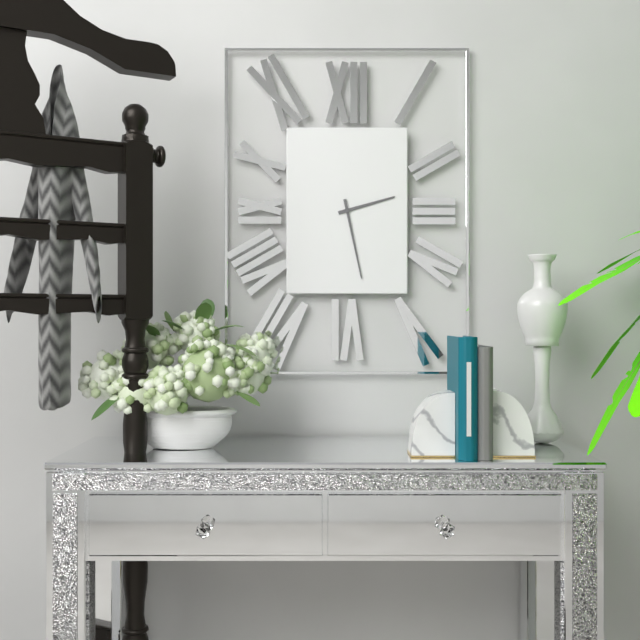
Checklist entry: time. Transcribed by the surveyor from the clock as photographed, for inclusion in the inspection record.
2:28
